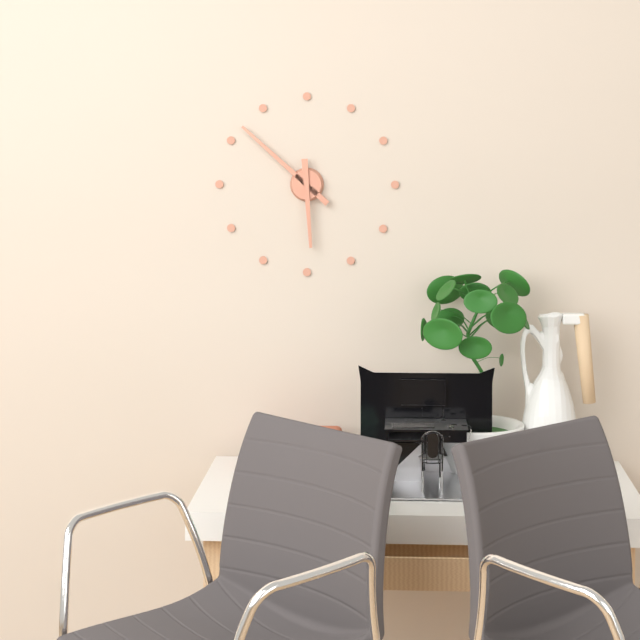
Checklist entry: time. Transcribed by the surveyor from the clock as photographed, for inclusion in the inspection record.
5:52
